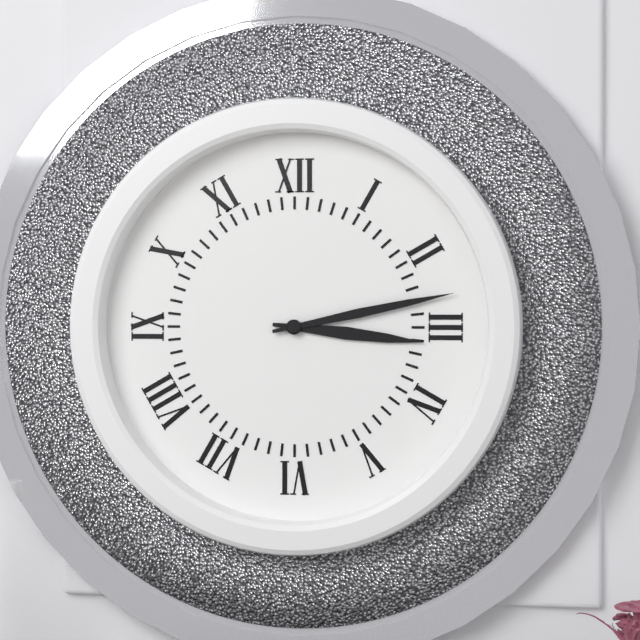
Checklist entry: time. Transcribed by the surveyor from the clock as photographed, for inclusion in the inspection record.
3:13
